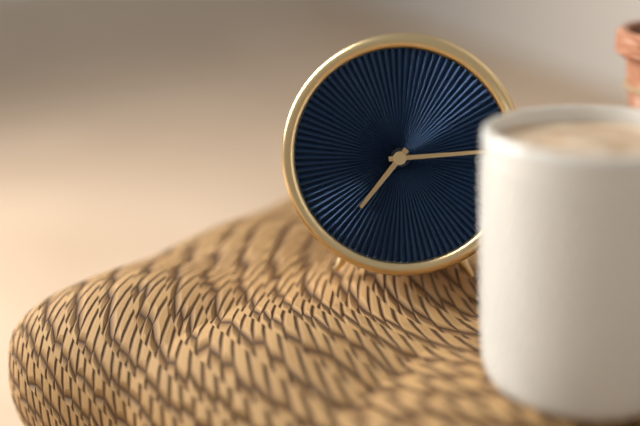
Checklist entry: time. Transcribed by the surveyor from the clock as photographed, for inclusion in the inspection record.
7:14
